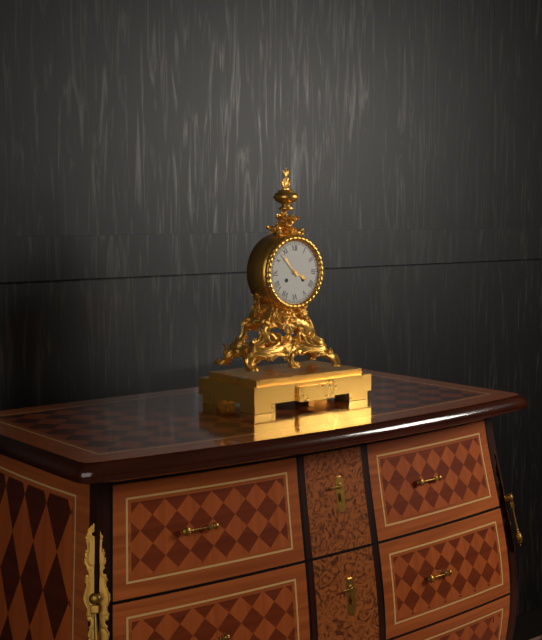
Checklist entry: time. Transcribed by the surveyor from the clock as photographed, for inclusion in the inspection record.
3:53
